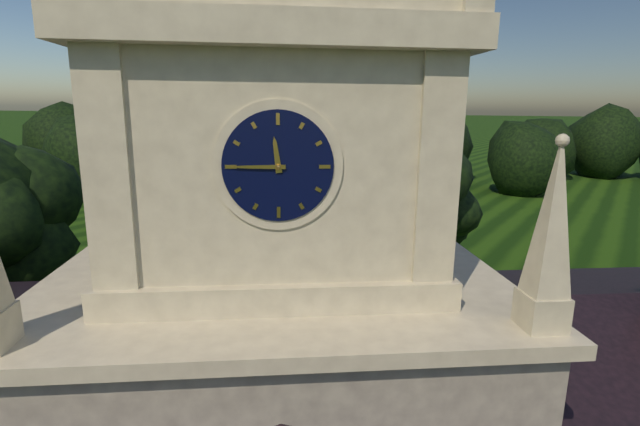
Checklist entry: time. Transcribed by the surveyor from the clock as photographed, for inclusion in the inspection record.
11:45
